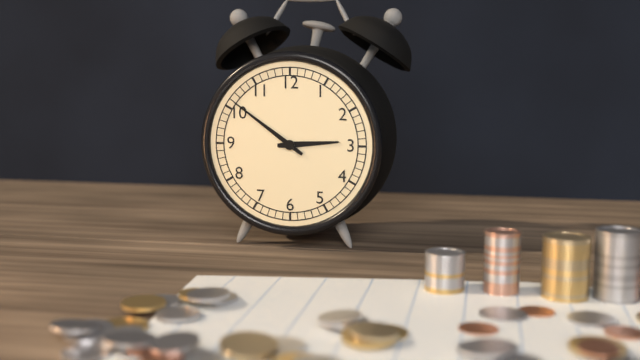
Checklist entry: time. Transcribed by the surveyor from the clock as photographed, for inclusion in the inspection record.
2:51
